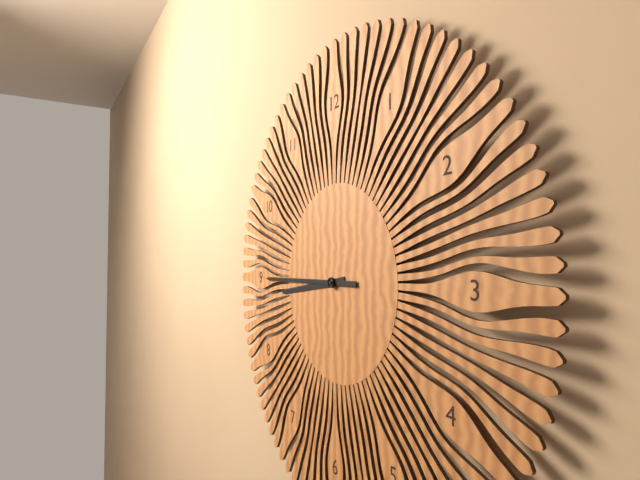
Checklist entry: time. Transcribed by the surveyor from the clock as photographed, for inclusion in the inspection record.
8:45
